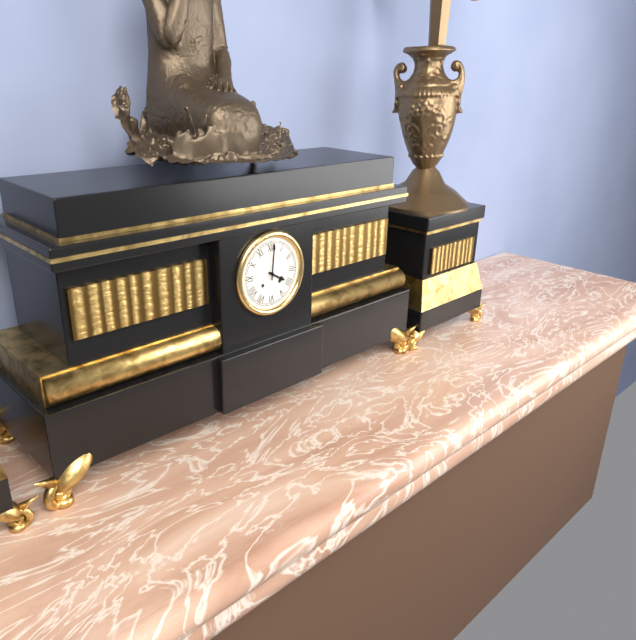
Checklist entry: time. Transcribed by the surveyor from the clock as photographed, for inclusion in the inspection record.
4:01
